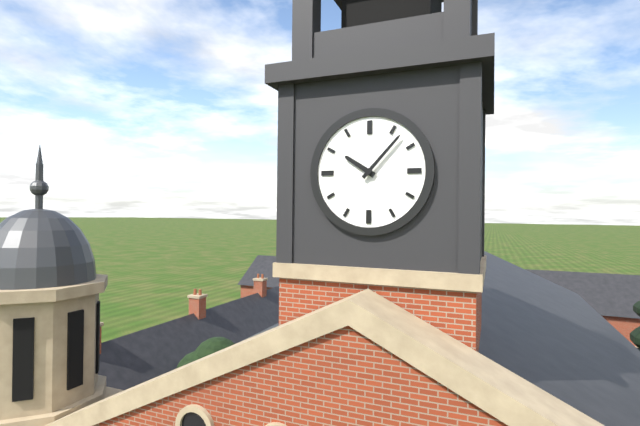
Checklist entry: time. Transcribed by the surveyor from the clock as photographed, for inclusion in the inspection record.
10:07
